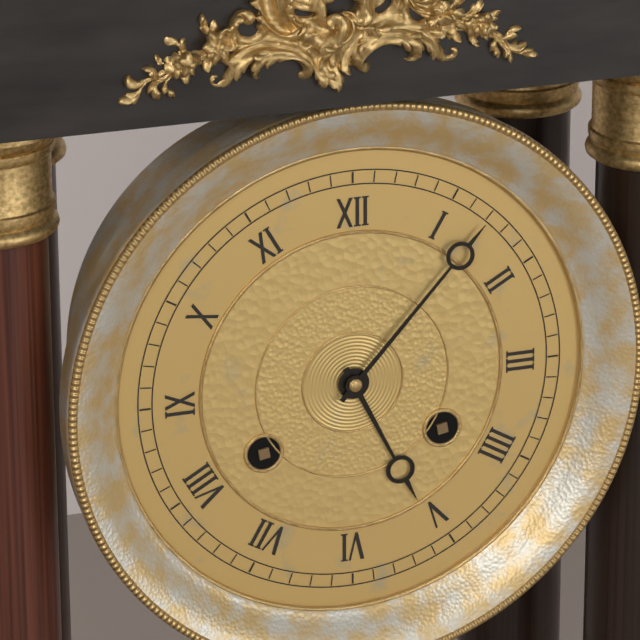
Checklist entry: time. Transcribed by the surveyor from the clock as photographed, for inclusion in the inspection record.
5:07
